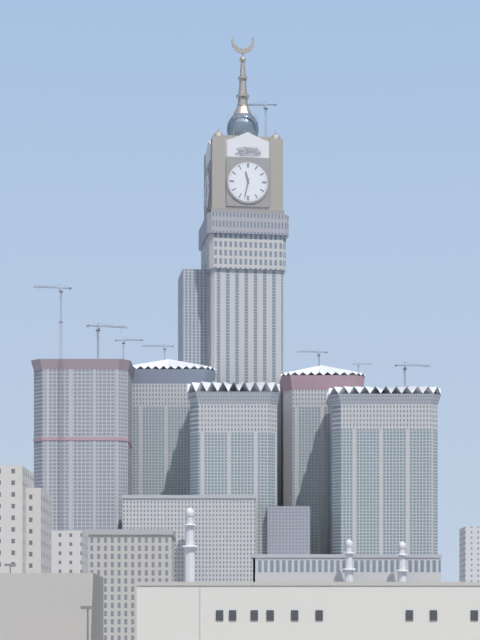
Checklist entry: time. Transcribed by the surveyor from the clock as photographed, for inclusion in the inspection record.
11:32
